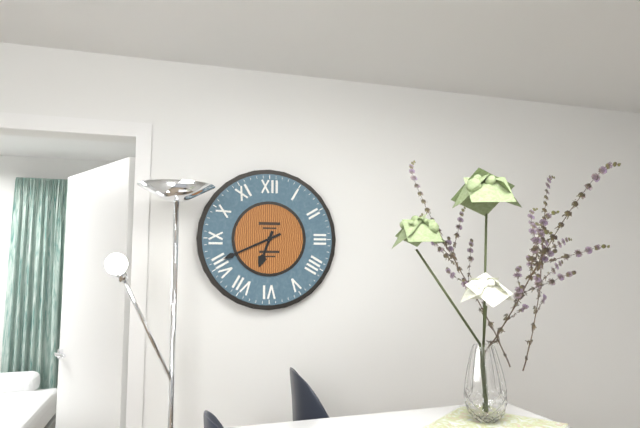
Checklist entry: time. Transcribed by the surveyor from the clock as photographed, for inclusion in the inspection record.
6:41
